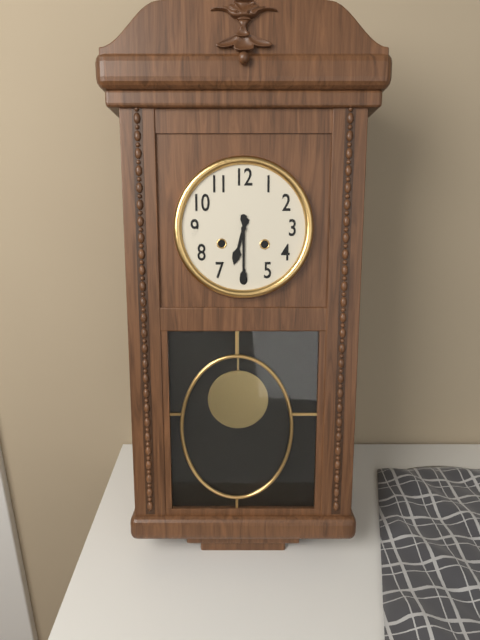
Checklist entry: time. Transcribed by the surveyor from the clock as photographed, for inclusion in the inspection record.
6:30
